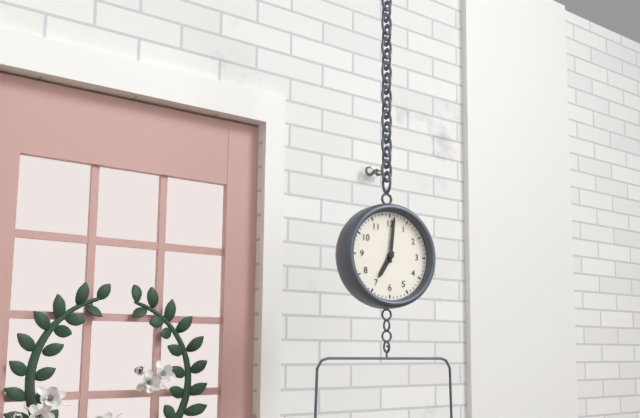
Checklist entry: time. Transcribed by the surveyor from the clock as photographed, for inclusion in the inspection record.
7:01
